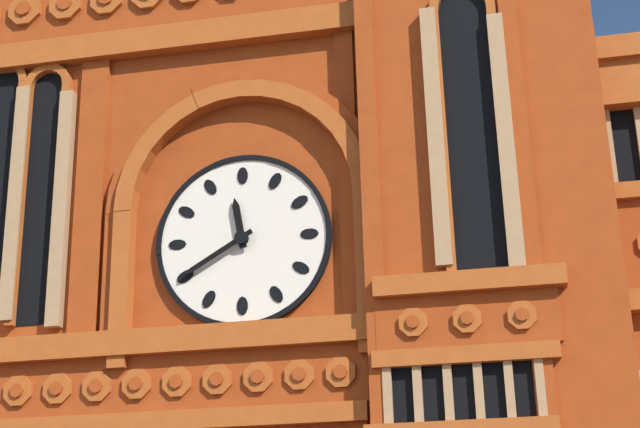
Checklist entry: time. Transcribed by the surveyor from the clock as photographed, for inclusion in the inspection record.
11:40
